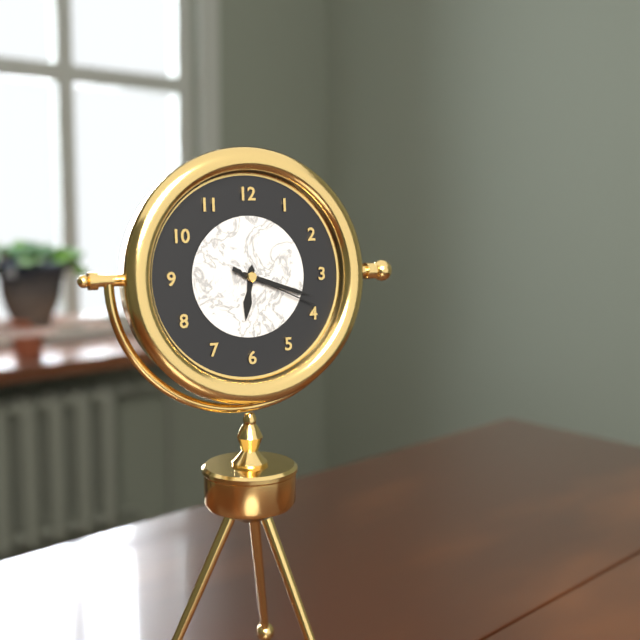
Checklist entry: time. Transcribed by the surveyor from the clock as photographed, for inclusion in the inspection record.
6:18:19
